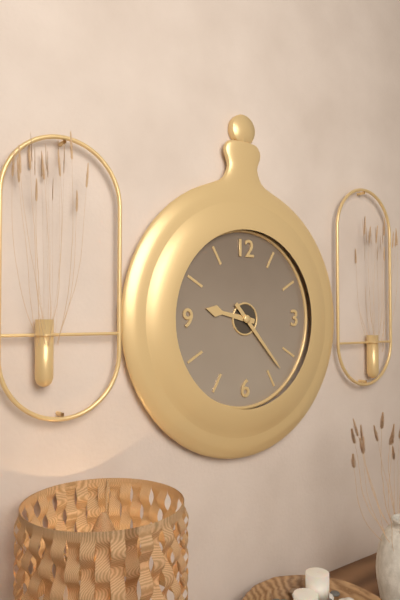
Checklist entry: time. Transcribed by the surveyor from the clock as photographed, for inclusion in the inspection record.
9:23
